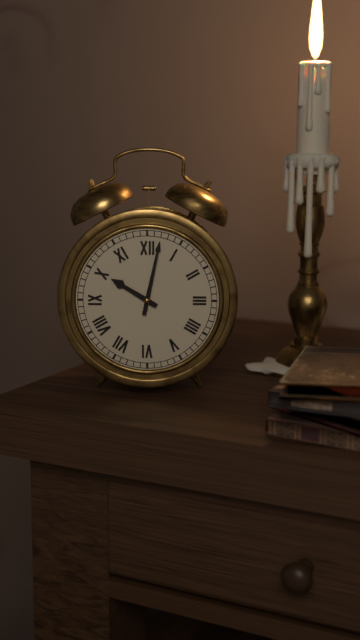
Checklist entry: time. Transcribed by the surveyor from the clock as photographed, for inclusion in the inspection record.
10:02
